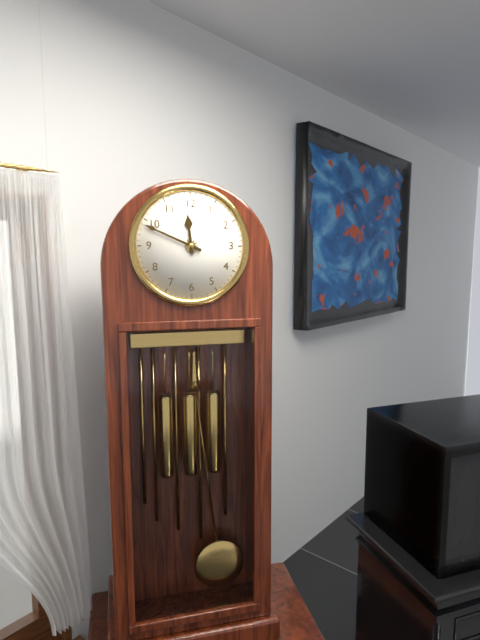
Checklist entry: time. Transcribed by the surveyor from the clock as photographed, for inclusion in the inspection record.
11:49
